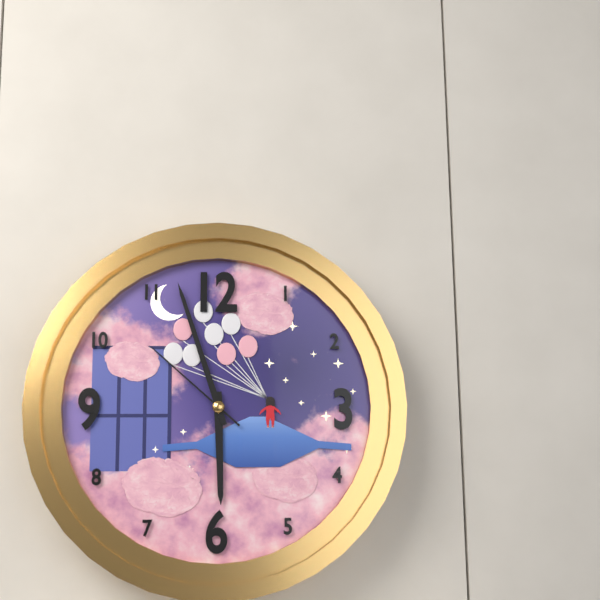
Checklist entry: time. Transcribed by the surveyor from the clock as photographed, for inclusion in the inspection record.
5:57:52
